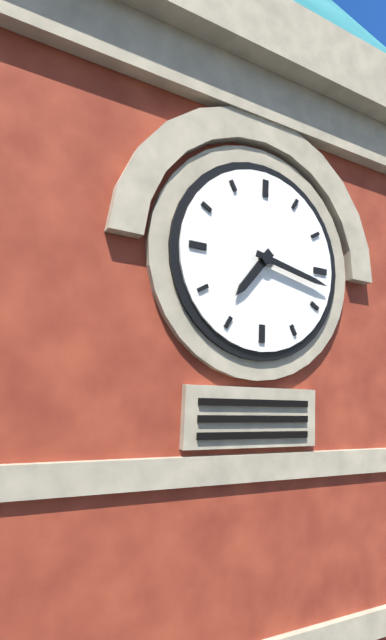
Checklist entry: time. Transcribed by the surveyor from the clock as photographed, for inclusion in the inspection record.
7:17
